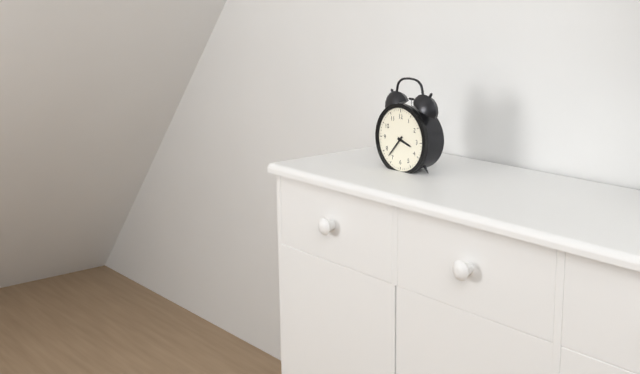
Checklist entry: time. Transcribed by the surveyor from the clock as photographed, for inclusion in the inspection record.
3:37
